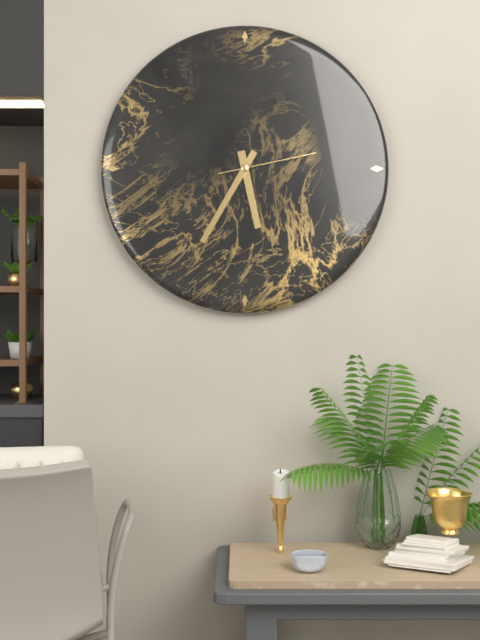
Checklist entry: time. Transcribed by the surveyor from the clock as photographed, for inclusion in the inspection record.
5:35:13
